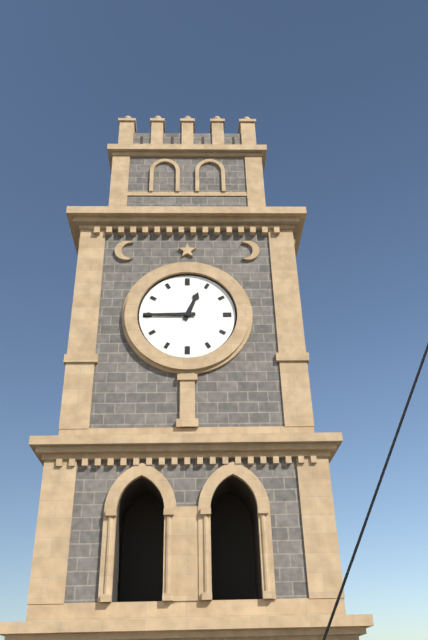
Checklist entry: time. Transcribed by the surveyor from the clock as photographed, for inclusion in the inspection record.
12:45
